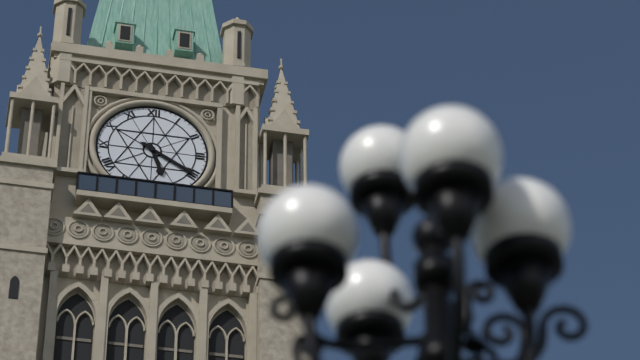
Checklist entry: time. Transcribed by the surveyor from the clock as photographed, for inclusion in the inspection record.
5:20
